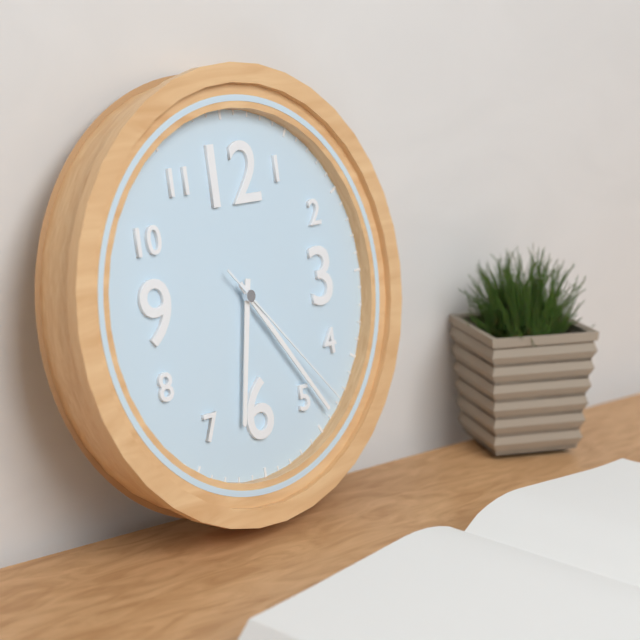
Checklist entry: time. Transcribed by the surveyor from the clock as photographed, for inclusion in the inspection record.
6:24:23
